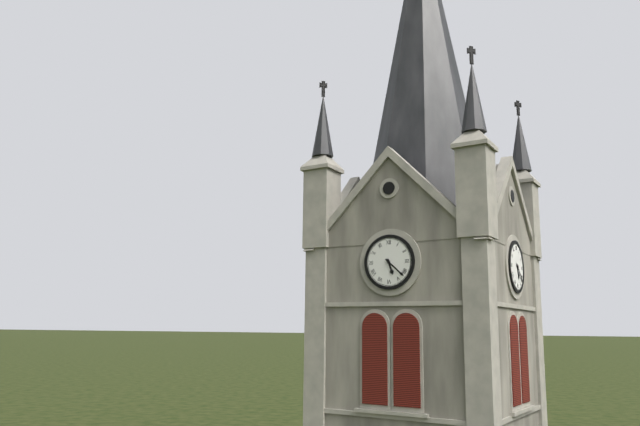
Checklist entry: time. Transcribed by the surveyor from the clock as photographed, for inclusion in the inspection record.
5:22
